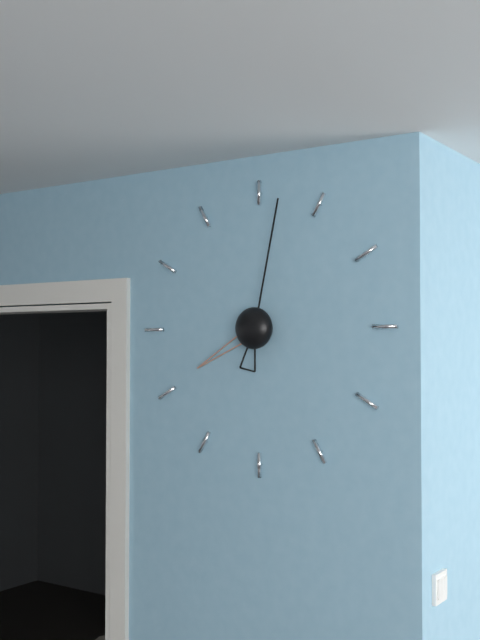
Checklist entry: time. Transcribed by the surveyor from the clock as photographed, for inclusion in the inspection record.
8:02
